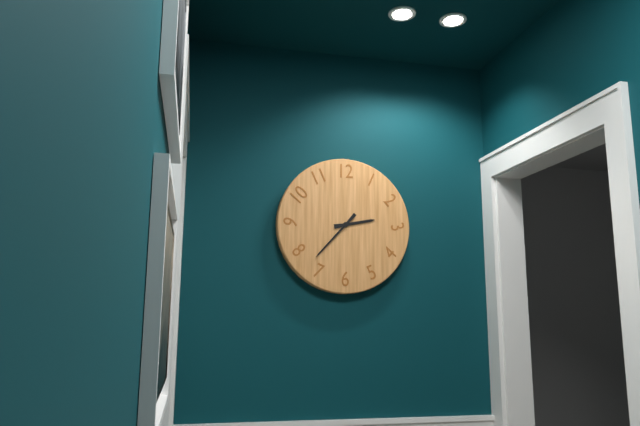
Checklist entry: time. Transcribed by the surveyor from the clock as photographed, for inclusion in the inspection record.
2:37
